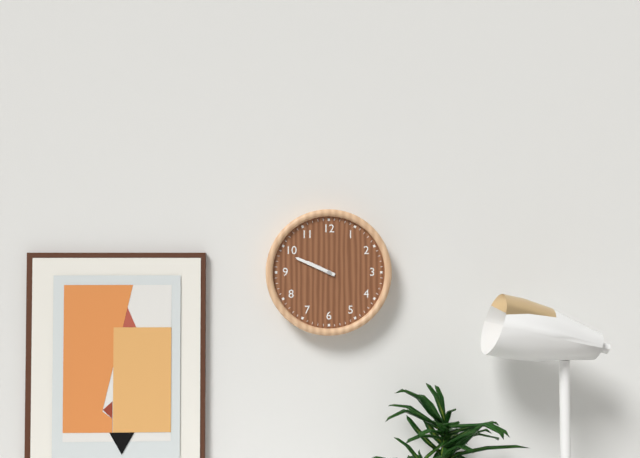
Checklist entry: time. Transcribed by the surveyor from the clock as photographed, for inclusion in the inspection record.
9:49
